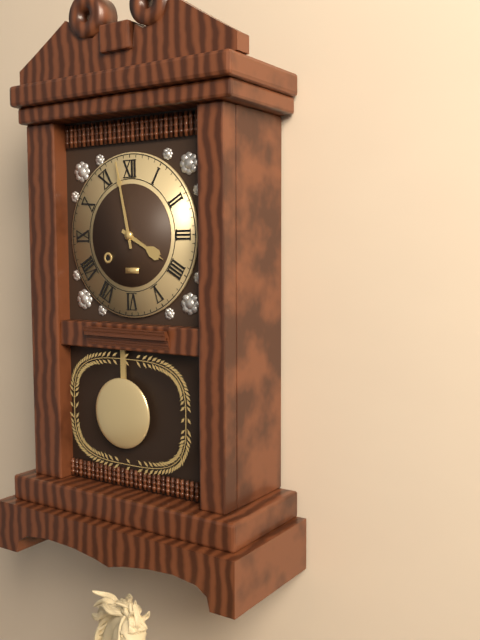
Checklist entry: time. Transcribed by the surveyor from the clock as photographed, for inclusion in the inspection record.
3:58
